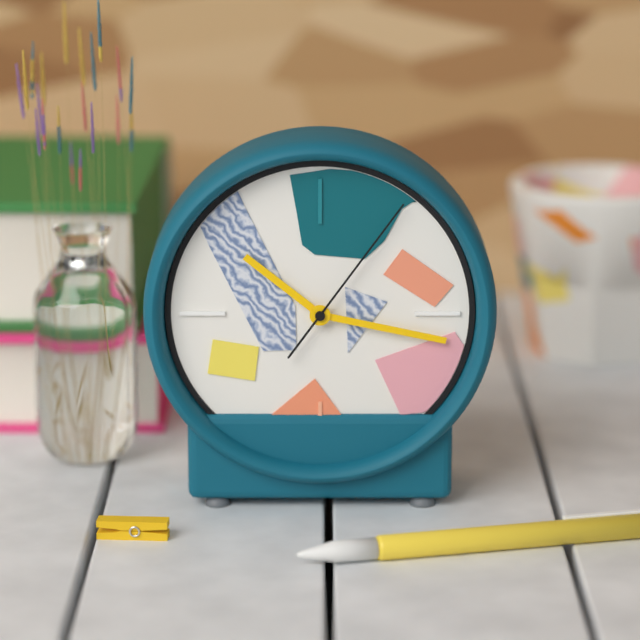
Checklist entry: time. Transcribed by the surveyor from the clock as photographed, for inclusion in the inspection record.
10:17:06
